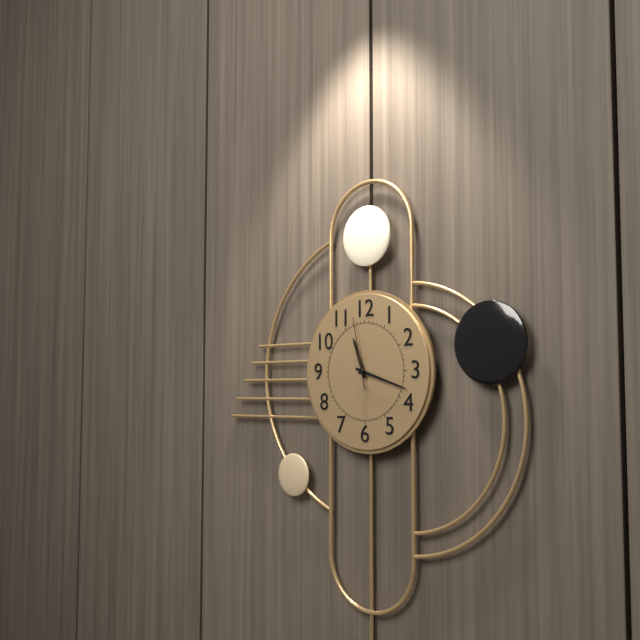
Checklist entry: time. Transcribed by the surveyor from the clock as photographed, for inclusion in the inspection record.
11:18:58
